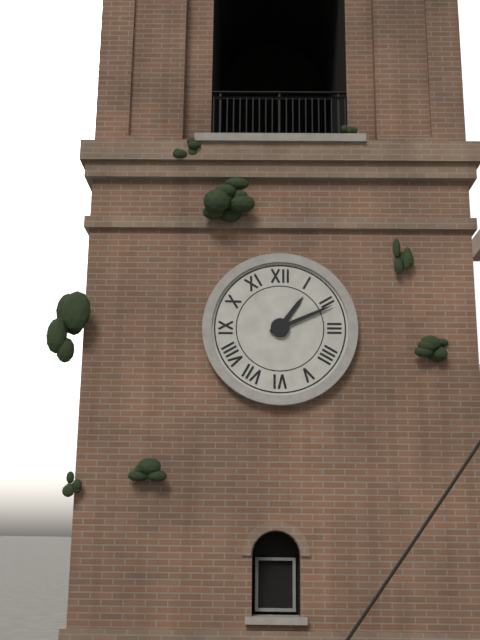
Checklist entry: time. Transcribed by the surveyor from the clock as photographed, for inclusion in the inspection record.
1:11
